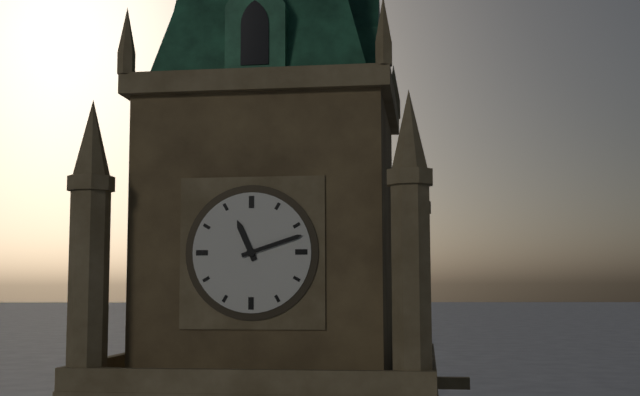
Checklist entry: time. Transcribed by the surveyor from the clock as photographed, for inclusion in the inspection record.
11:12
